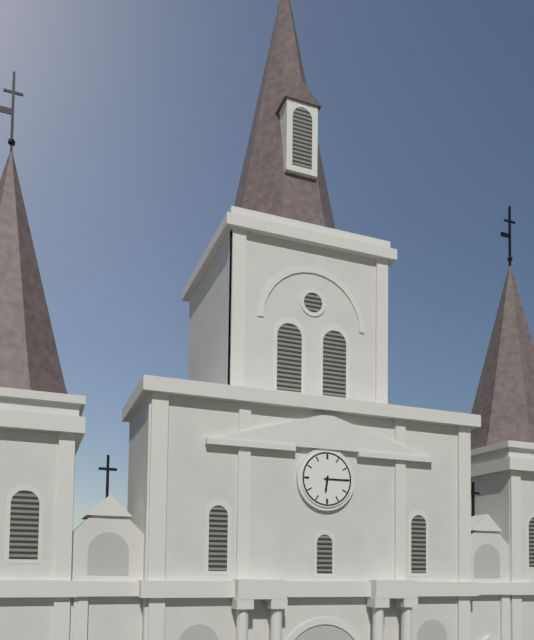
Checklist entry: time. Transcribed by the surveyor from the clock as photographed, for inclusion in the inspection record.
6:15
